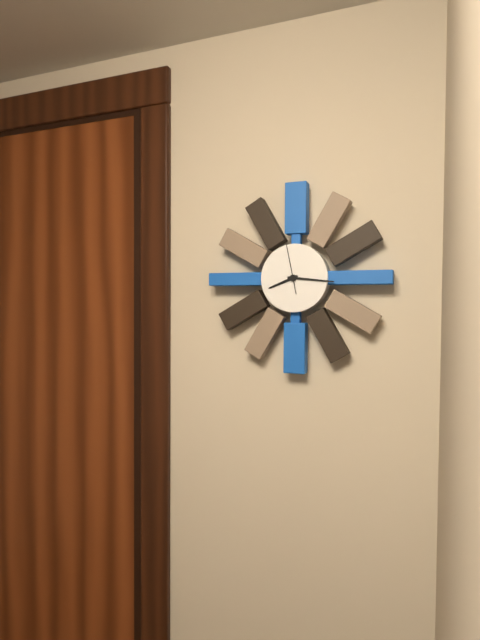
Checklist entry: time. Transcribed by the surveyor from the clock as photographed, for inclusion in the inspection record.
8:16
